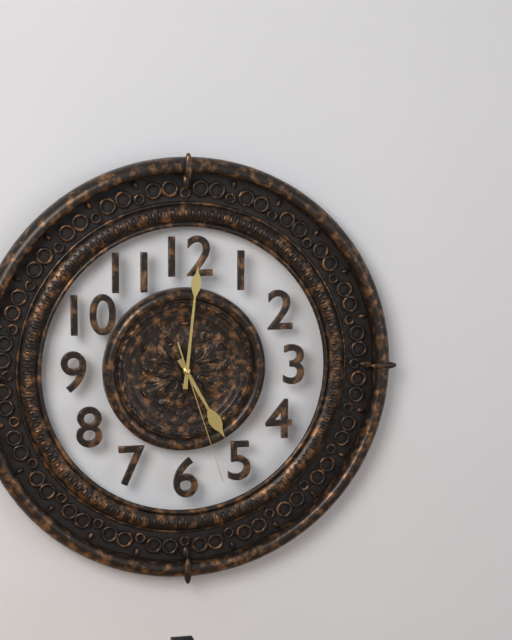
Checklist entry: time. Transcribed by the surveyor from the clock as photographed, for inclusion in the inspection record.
5:01:27
